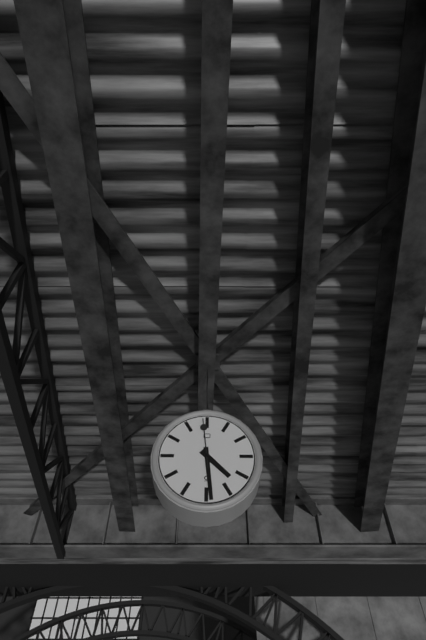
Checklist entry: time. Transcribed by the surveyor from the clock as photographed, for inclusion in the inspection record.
4:29
